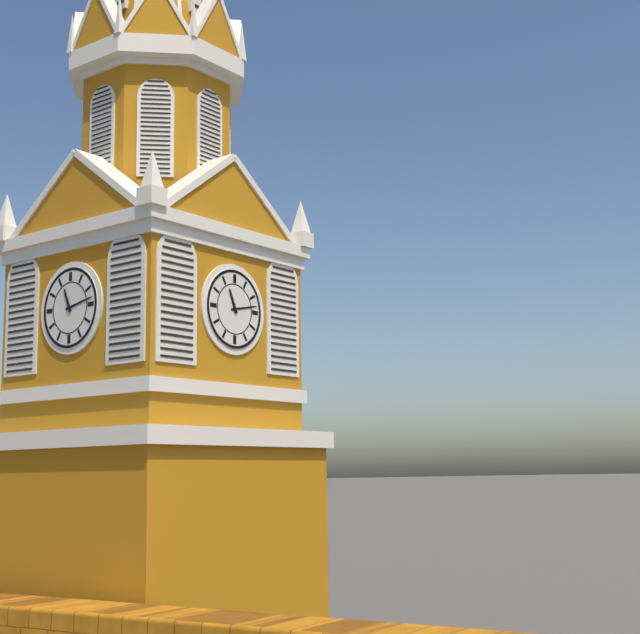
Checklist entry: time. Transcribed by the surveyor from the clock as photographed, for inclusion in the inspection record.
11:13
